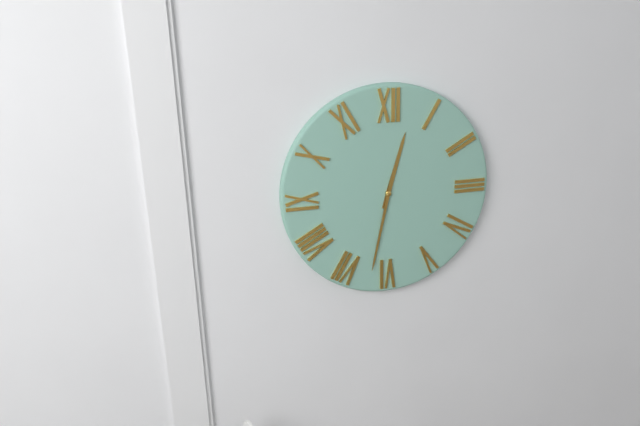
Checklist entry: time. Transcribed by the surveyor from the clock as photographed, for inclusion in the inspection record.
12:32
